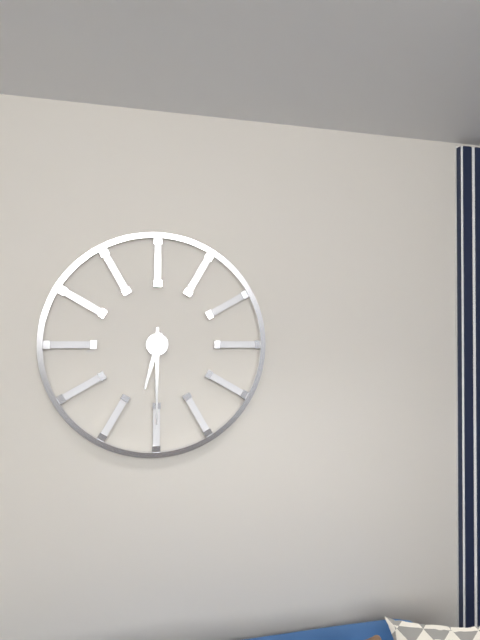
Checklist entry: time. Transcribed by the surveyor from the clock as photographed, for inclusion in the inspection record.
6:30
